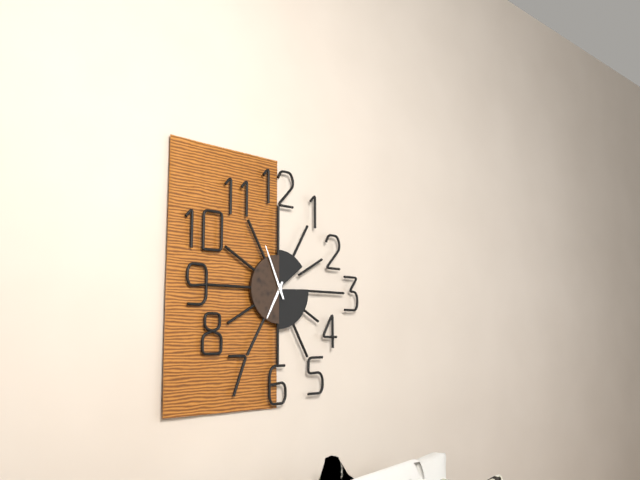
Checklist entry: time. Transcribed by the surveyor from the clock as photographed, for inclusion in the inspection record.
6:56
